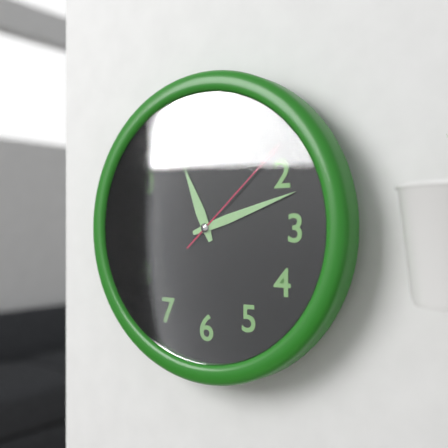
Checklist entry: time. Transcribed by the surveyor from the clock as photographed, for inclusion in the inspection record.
11:12:08
